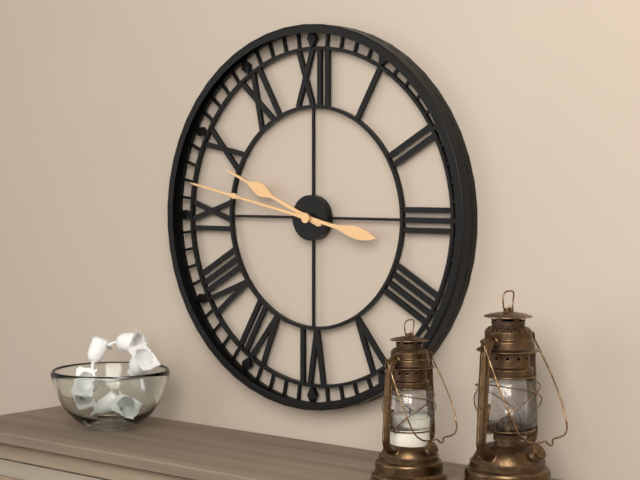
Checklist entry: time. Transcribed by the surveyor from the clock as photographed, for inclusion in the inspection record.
9:47
